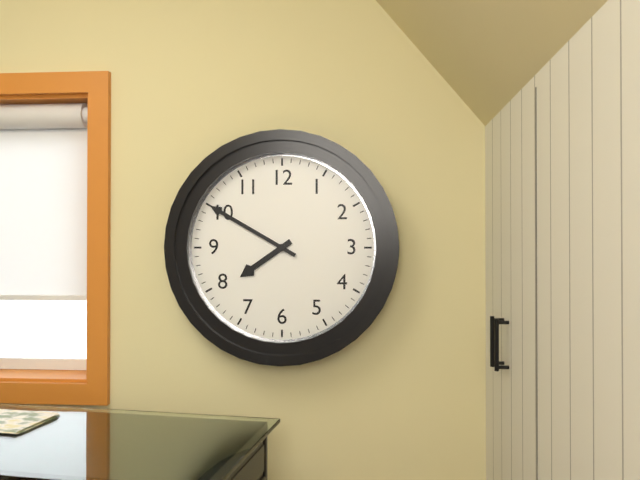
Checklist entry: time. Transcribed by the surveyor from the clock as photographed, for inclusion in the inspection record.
7:50
